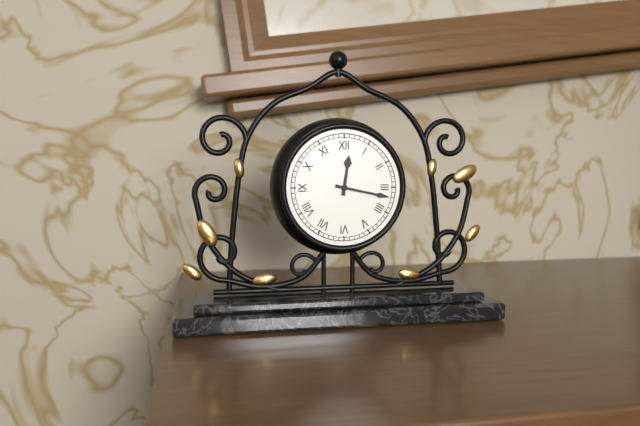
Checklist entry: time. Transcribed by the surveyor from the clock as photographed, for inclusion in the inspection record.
12:17
